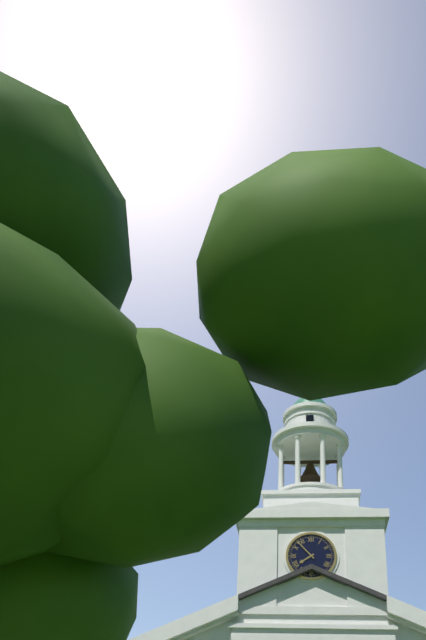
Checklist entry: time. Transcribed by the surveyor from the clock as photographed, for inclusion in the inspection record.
7:53
